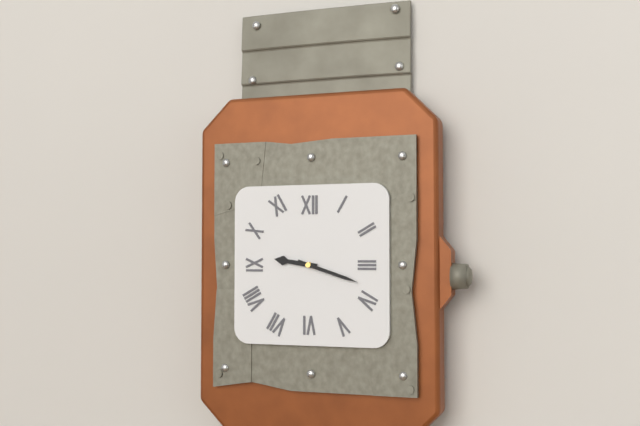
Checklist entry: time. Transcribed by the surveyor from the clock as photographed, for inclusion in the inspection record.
9:18
